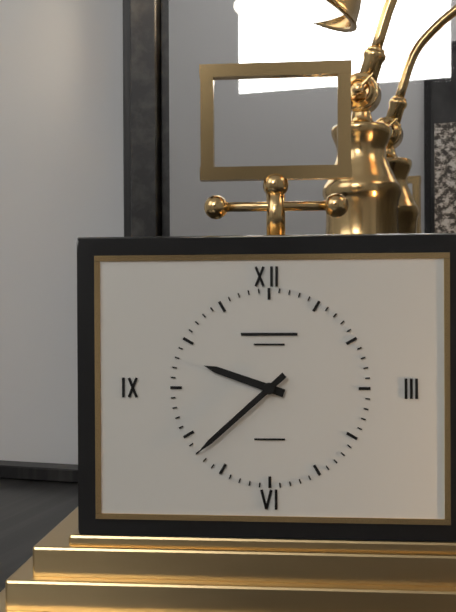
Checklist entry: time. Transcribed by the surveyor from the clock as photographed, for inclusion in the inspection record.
9:38
